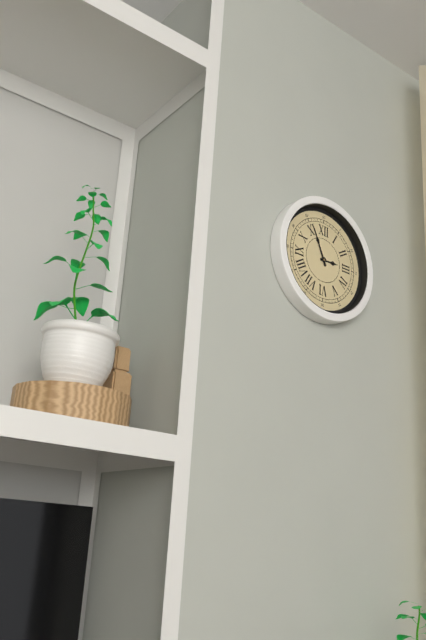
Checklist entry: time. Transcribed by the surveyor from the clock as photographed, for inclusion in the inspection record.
2:56
